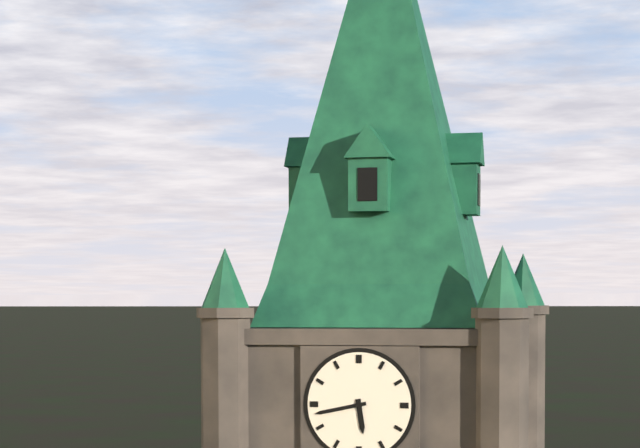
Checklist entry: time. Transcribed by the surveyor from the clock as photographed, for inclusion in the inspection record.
5:43
